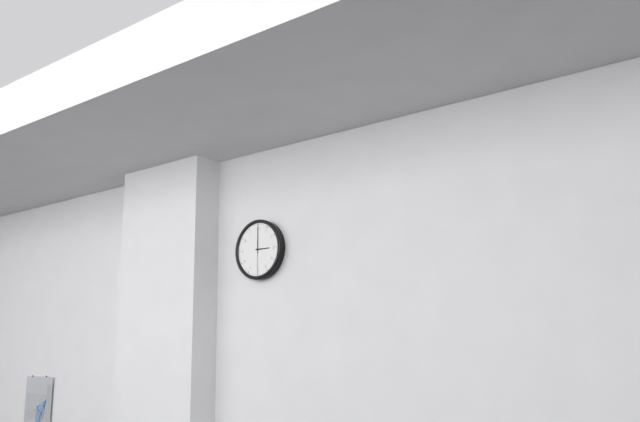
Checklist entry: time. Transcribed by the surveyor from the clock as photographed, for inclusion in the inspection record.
3:00
